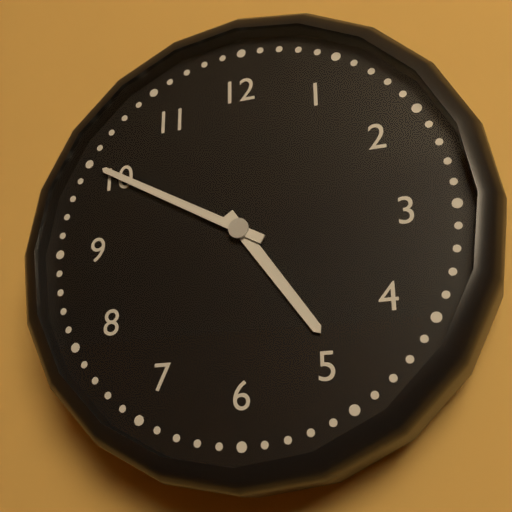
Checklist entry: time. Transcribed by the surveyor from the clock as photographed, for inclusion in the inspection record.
4:50
